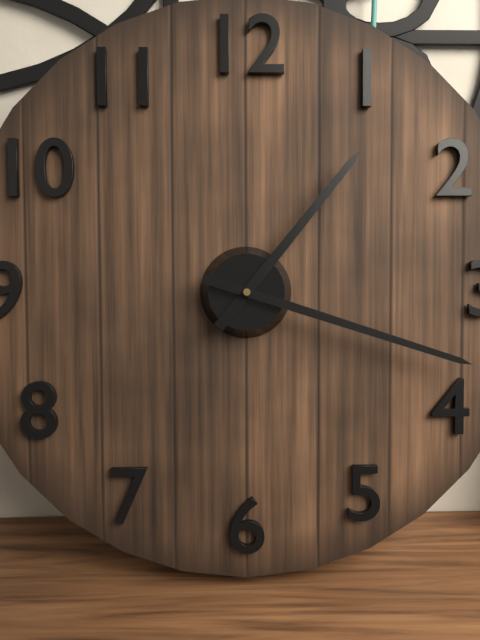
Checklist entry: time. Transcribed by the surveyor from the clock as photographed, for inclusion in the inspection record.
1:18
